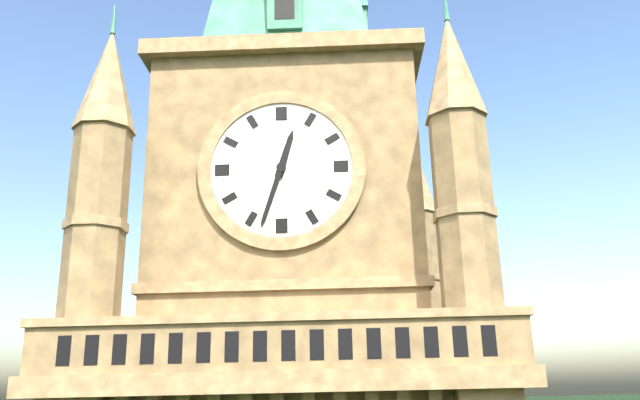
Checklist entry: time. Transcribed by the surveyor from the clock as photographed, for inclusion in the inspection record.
12:33
